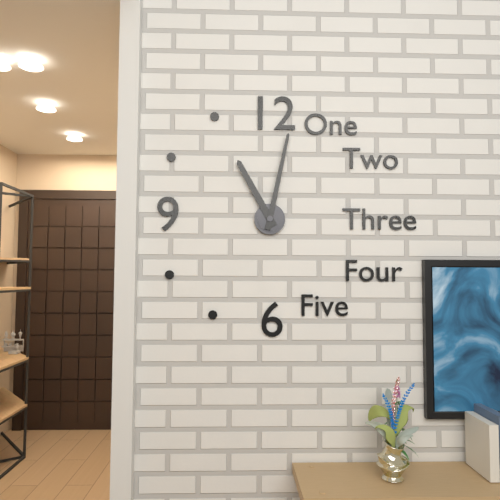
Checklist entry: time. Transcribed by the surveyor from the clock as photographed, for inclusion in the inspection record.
11:02
